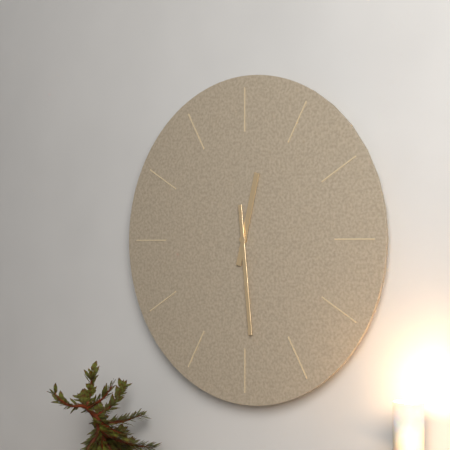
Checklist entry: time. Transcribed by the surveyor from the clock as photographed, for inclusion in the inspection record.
12:29
